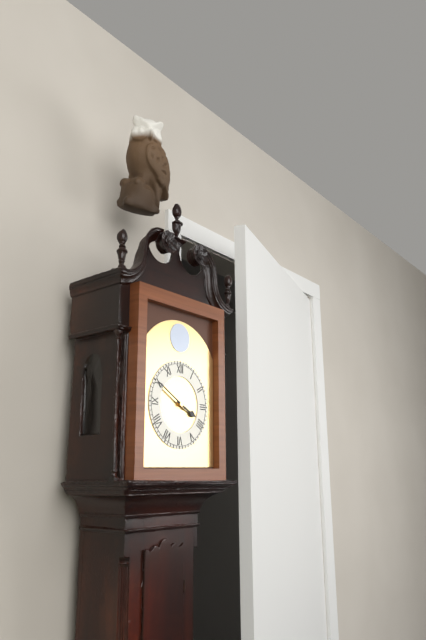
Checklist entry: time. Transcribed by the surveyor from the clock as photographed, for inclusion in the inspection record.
3:50
